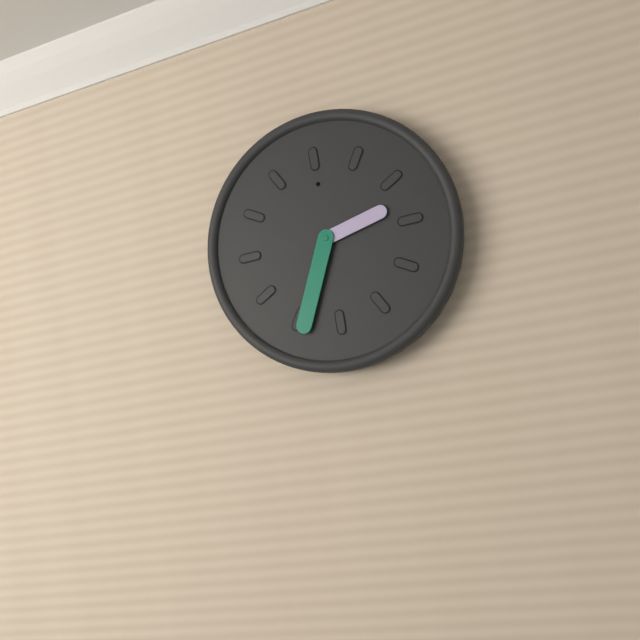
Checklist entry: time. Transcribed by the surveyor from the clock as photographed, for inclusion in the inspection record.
2:34
